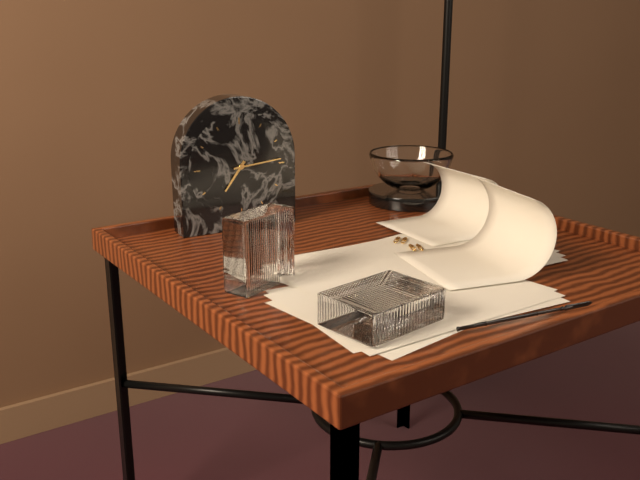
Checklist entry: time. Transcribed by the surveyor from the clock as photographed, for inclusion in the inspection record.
7:14
